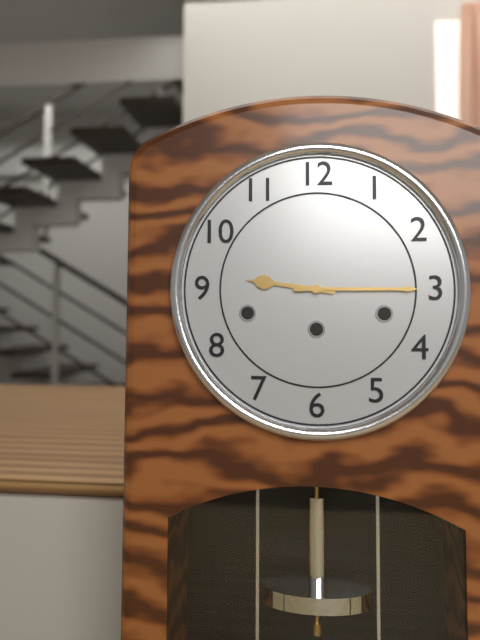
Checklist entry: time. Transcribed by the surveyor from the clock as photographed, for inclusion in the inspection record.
9:15
